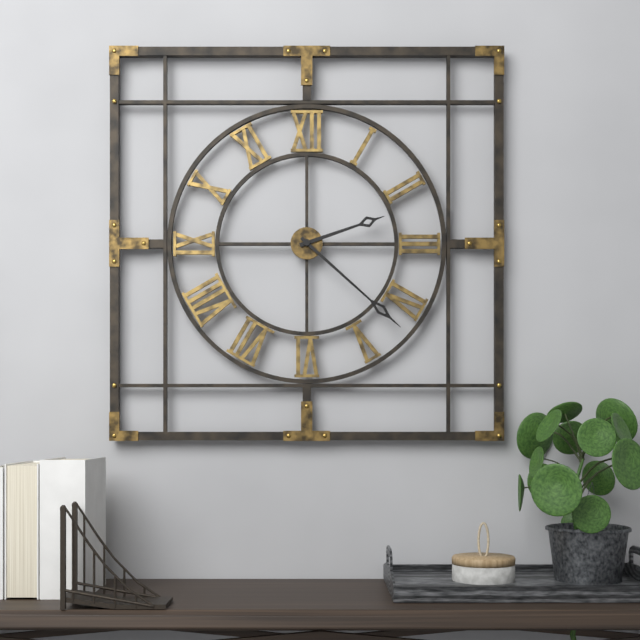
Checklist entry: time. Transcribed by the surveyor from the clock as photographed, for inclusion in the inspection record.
2:22
